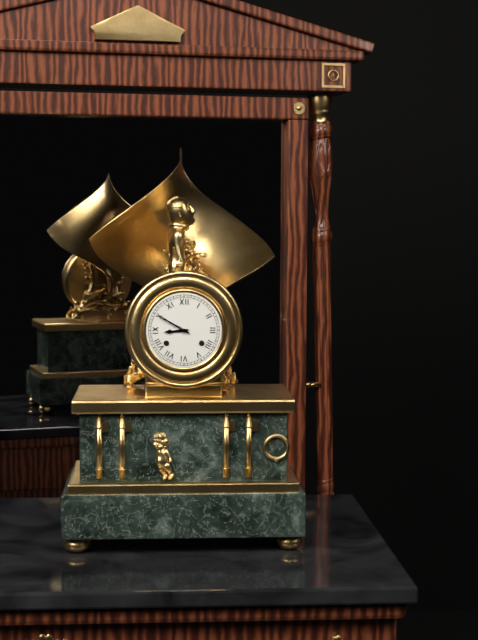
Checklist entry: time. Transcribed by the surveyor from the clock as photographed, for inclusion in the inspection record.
8:50
